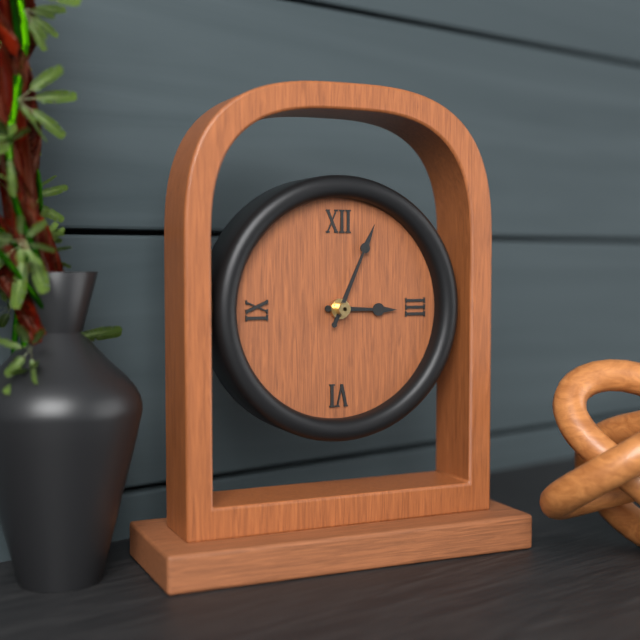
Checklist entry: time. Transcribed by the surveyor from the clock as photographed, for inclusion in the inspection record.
3:04
